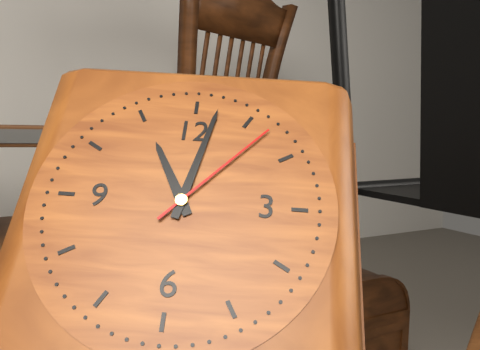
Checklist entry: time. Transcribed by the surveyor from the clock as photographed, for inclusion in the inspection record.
11:02:07
